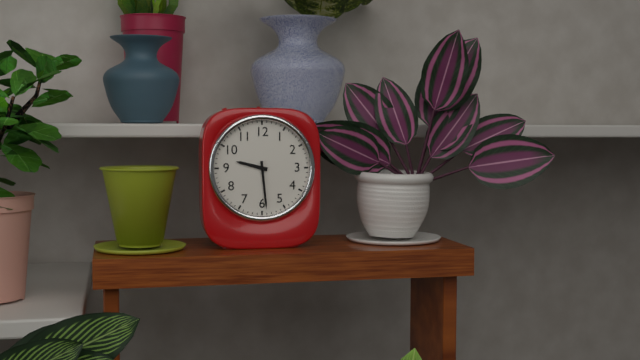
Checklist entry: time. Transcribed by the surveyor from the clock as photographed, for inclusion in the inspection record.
9:29
